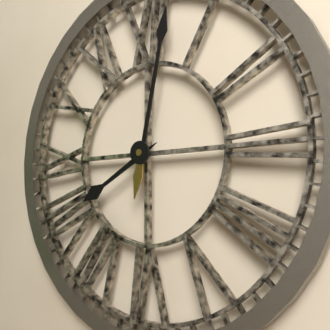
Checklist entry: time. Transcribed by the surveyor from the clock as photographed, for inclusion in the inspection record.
8:02
